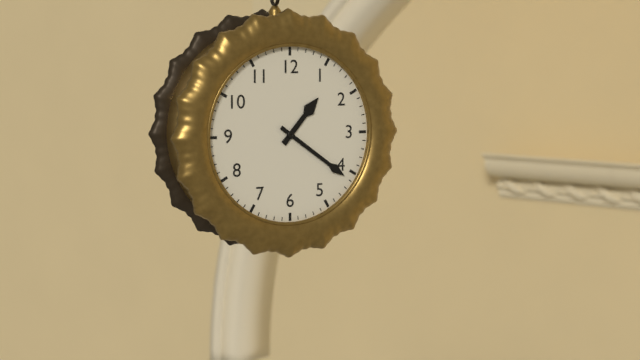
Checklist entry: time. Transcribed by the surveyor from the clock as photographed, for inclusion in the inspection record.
1:21
